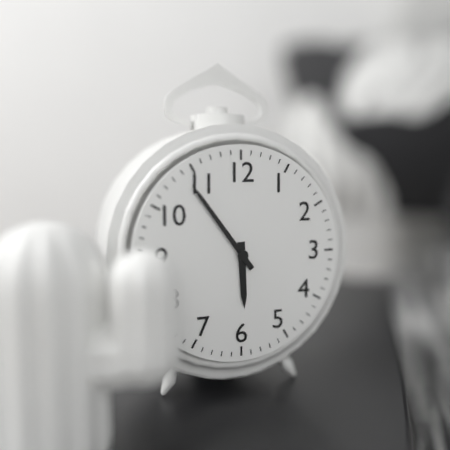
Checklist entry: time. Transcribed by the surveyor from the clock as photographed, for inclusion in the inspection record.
5:54
